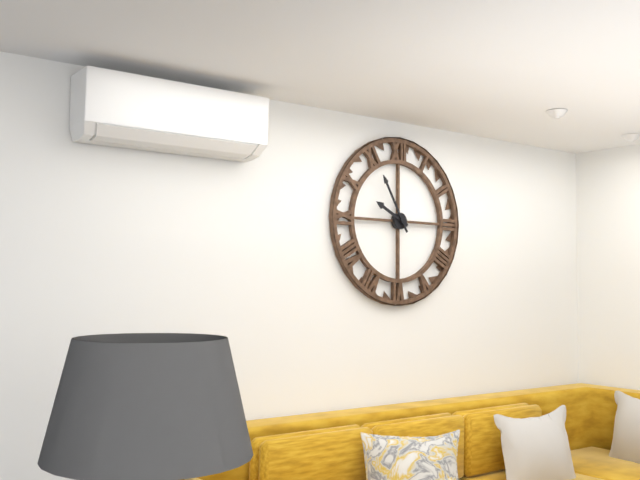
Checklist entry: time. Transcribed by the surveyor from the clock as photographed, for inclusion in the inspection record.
9:55
